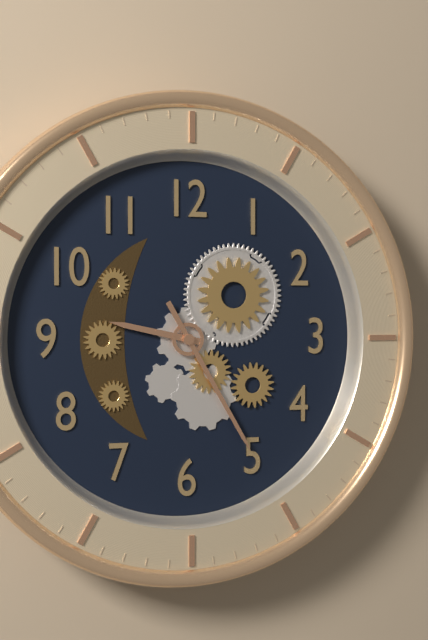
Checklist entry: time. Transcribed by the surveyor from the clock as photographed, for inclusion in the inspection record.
9:25
